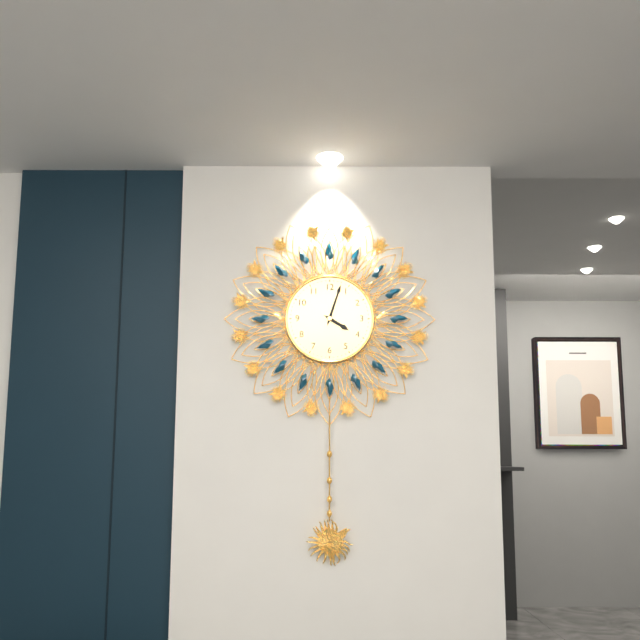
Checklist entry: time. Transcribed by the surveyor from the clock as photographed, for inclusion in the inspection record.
4:03
